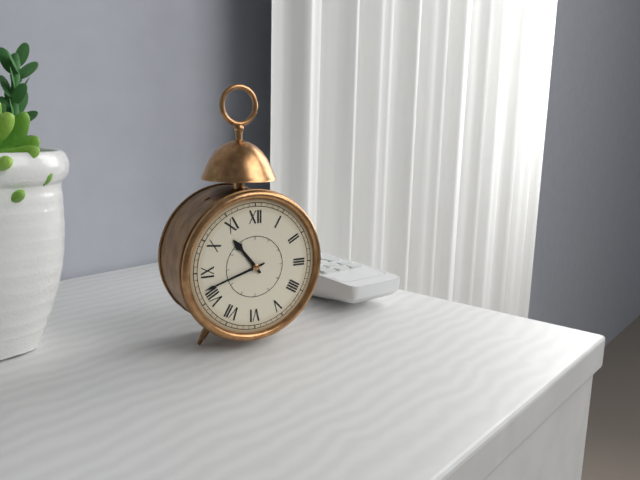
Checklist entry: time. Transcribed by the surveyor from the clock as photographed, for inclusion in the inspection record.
10:42
